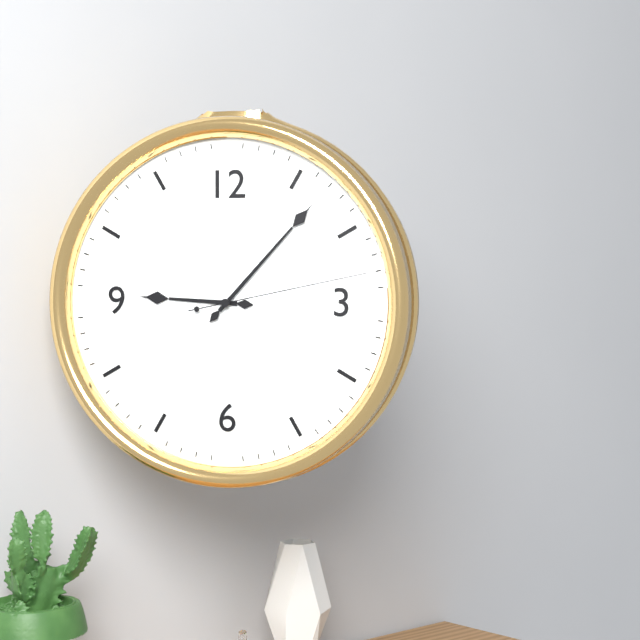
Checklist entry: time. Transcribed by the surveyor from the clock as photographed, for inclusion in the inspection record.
9:07:13
